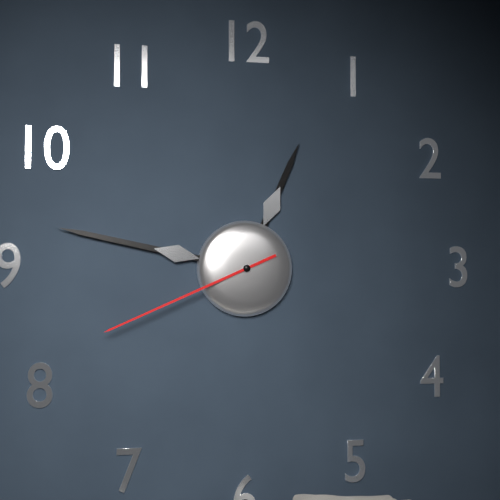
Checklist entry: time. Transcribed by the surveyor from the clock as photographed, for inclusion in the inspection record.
12:47:41
